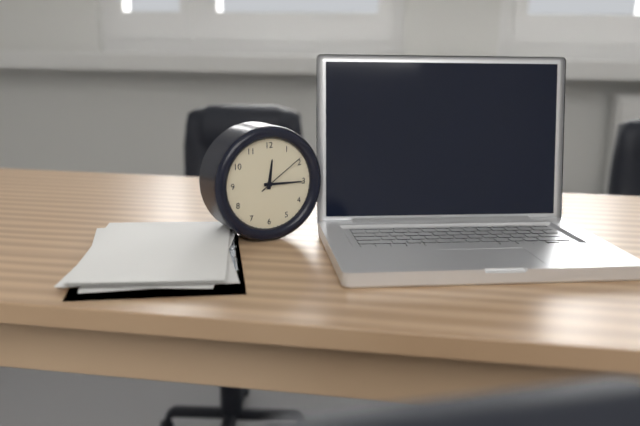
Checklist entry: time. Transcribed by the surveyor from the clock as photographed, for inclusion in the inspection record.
12:15:09
